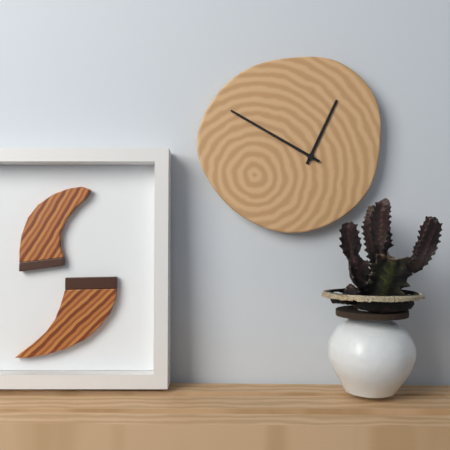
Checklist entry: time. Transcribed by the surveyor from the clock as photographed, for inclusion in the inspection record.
12:50
